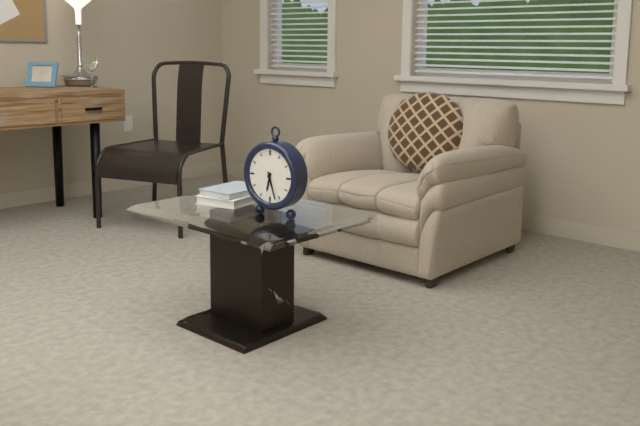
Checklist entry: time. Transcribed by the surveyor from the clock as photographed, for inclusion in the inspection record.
6:27
